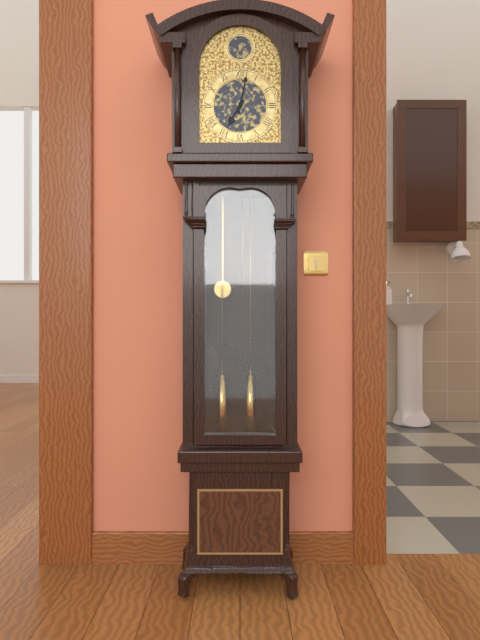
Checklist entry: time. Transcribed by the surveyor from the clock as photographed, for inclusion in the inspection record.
7:02
